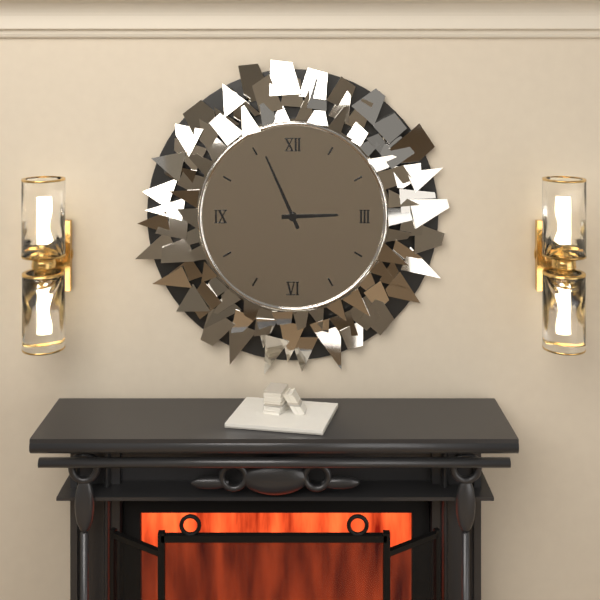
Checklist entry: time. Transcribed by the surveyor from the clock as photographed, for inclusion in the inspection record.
2:56
